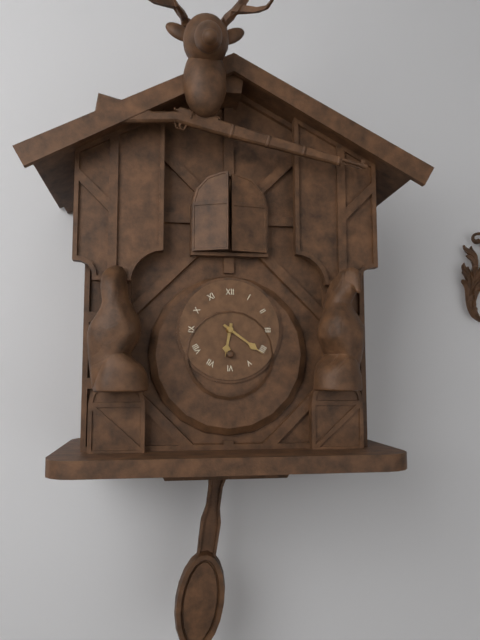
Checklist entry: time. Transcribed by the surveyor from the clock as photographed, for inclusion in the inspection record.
6:21
